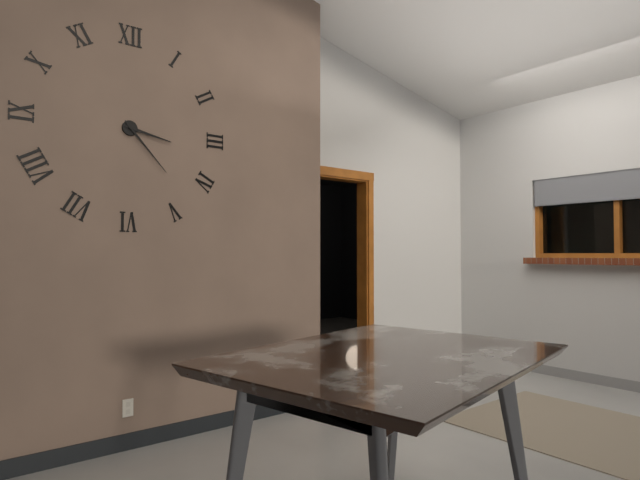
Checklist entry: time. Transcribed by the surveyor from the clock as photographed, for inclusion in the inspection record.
3:23
